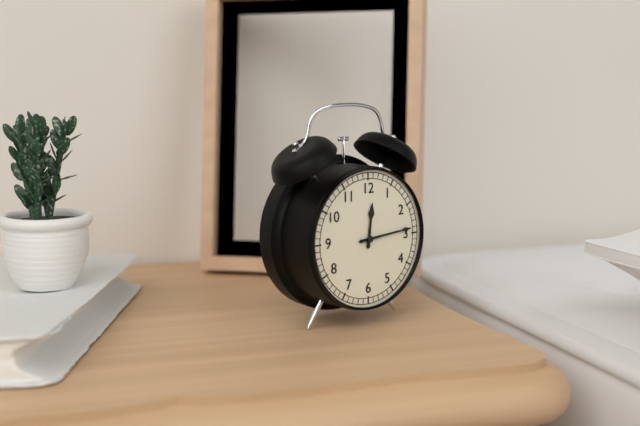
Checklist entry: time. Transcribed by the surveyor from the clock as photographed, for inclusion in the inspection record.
12:14
